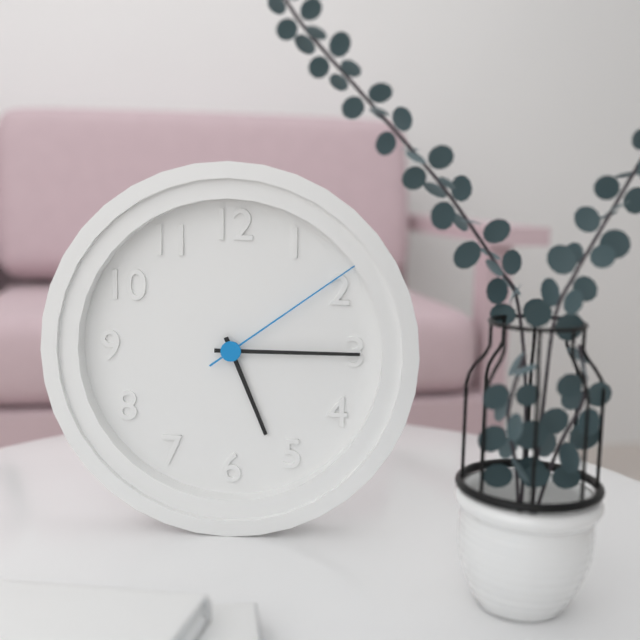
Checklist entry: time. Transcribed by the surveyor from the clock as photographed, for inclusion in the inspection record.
5:15:09
